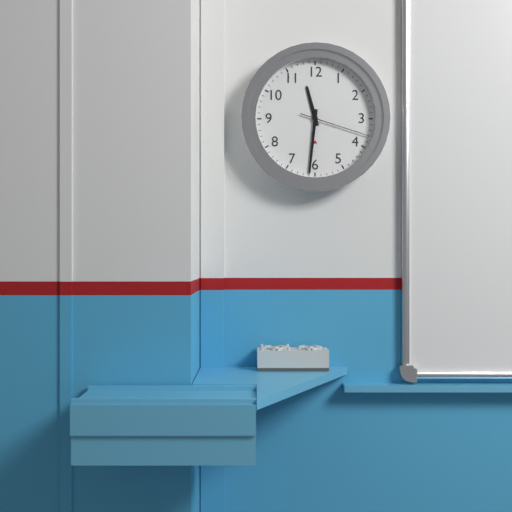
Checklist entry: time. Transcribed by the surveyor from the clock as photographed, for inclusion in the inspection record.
11:31:18
